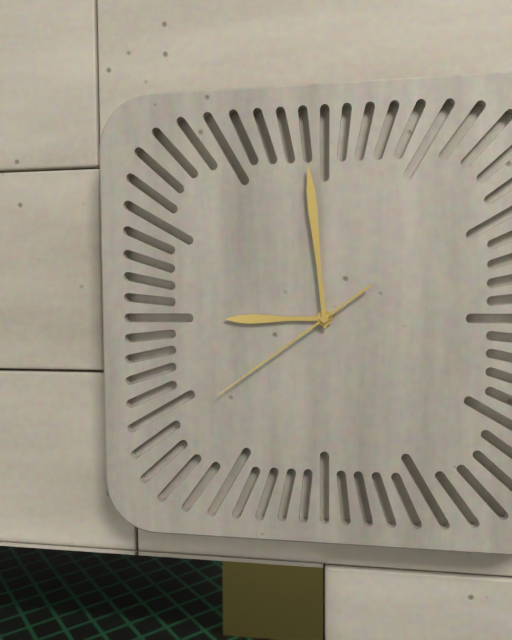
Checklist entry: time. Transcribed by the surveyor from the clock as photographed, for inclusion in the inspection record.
8:59:39
